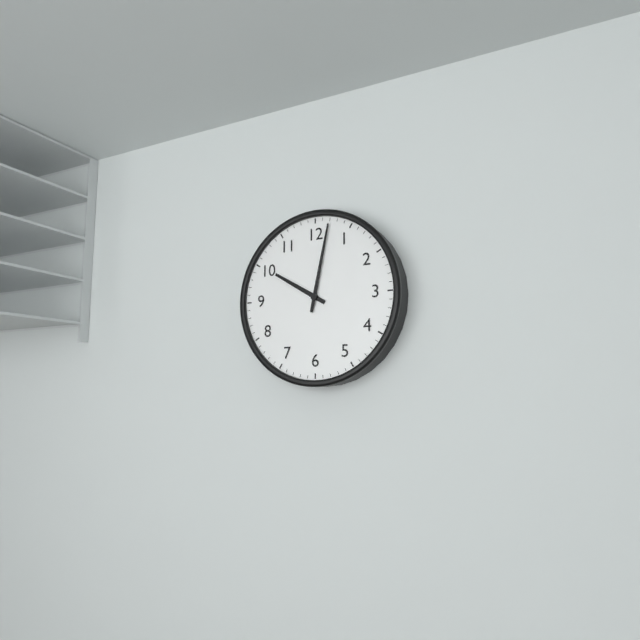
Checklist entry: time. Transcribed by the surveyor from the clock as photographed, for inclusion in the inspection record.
10:02
